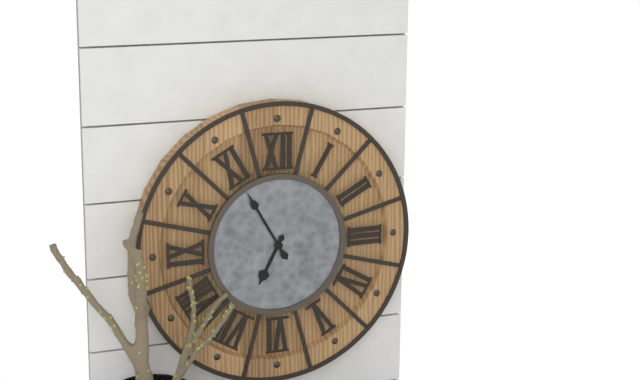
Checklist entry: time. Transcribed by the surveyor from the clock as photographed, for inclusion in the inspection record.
6:55
